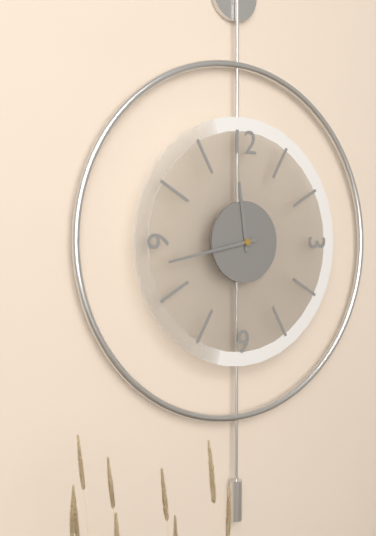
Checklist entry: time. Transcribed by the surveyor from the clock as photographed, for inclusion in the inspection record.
11:43
